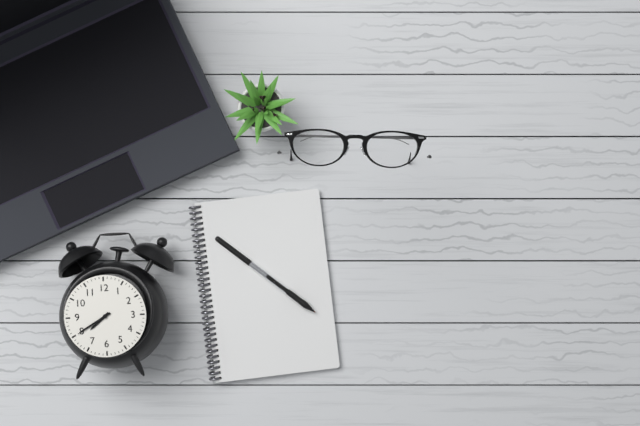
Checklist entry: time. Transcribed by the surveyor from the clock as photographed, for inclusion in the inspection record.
7:40
